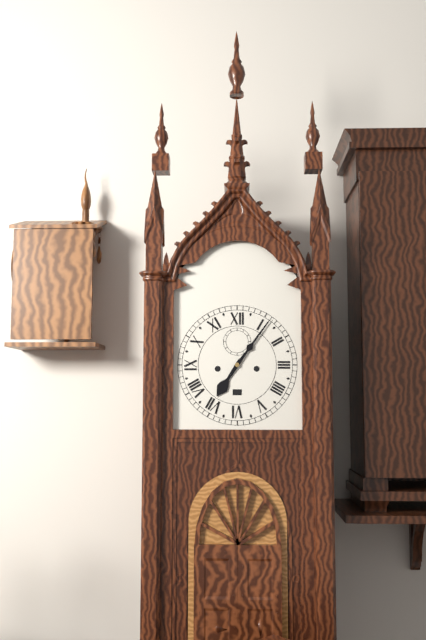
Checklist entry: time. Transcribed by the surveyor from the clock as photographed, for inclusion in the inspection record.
7:06
